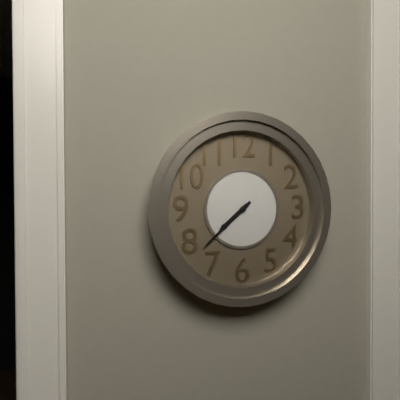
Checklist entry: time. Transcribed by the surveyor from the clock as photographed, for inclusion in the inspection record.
7:38
